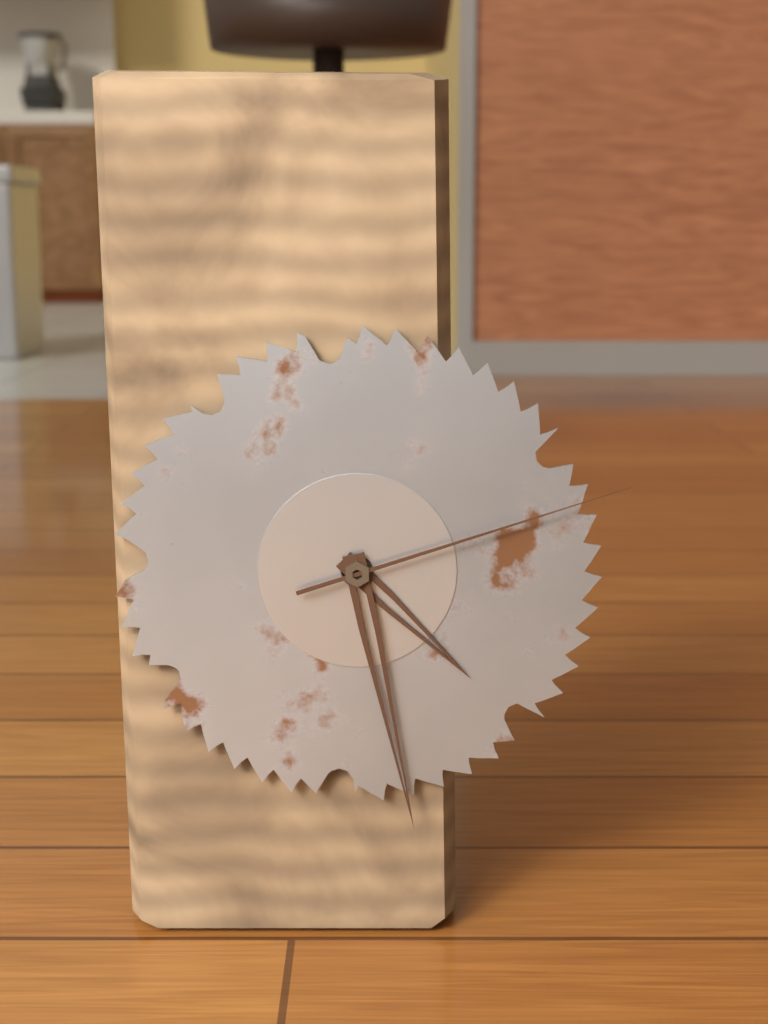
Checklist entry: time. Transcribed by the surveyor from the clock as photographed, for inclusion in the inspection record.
4:28:12
